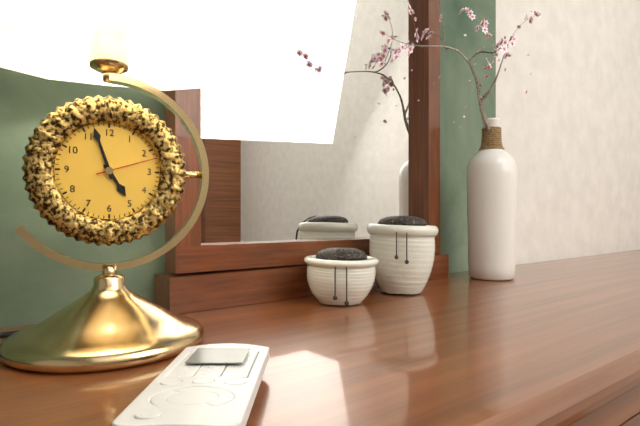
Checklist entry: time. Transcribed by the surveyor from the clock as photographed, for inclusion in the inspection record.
4:57:12
